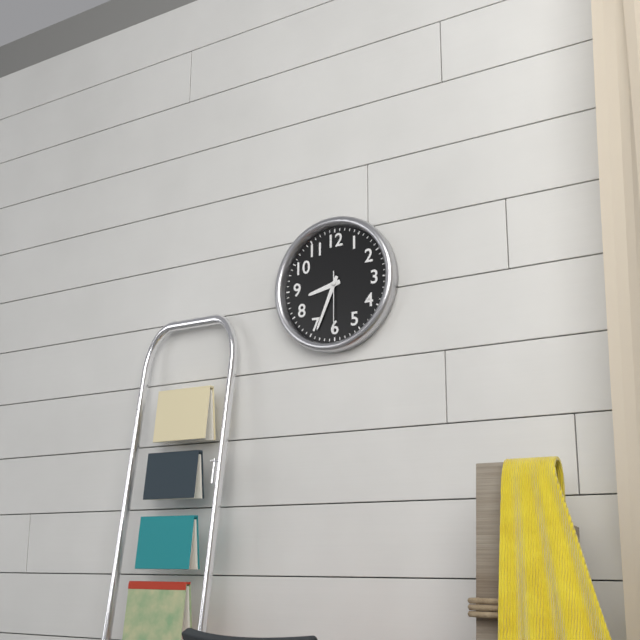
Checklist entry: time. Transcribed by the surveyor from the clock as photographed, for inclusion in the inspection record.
8:34:30
